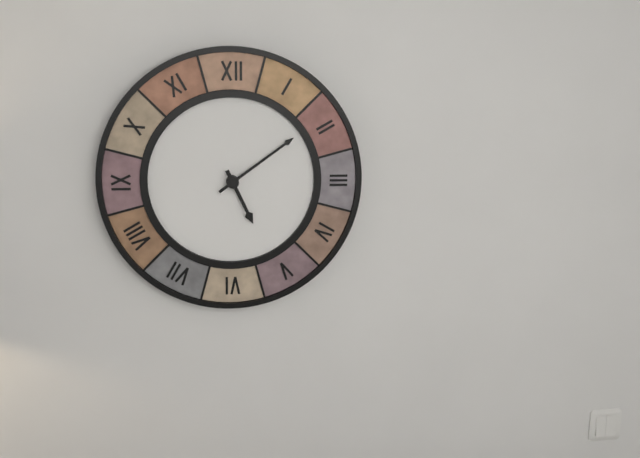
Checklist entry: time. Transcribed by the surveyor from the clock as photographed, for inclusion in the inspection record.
5:09
